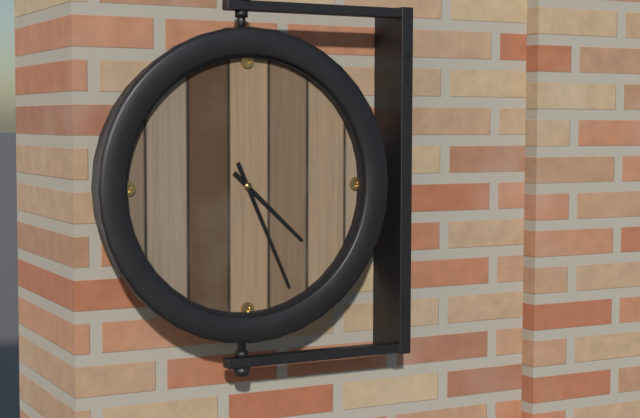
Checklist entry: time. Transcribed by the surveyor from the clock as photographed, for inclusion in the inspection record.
4:26
